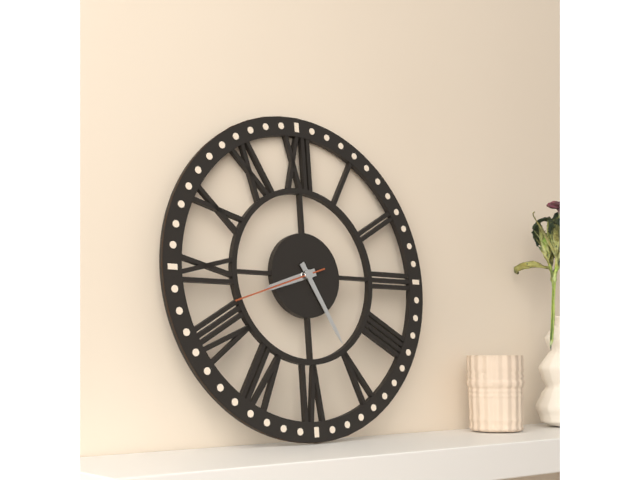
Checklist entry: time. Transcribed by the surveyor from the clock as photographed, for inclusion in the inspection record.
8:25:42
